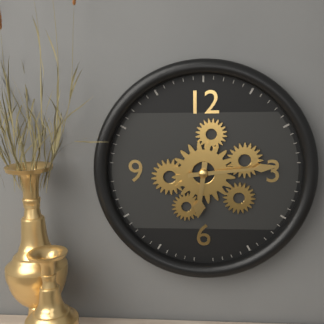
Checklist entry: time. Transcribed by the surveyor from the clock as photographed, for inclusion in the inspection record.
6:14
